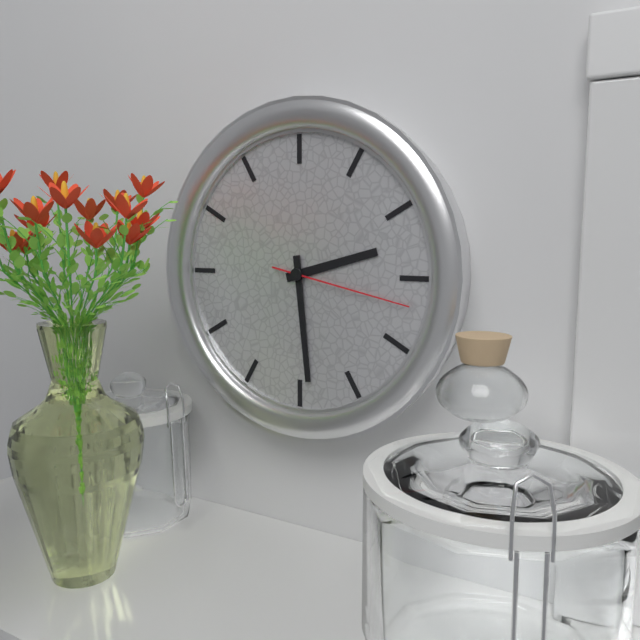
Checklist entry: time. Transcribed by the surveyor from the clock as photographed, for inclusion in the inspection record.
2:29:17
